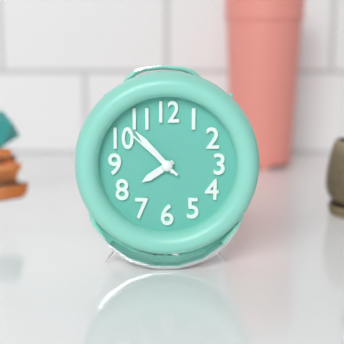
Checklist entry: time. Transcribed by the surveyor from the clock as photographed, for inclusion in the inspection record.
7:53:52
